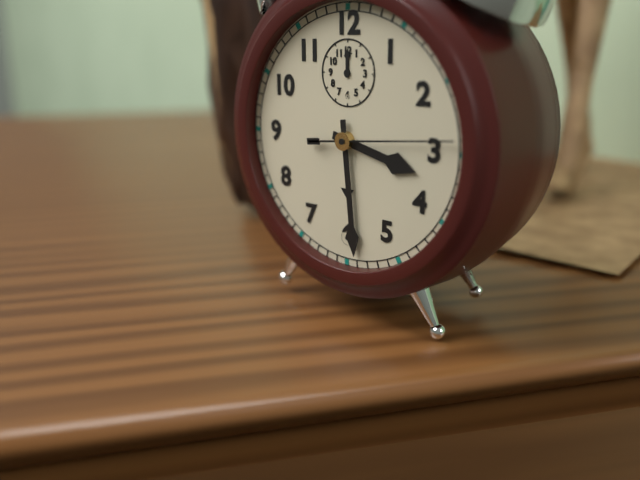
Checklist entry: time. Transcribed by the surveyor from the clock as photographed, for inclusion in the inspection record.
3:29:14
